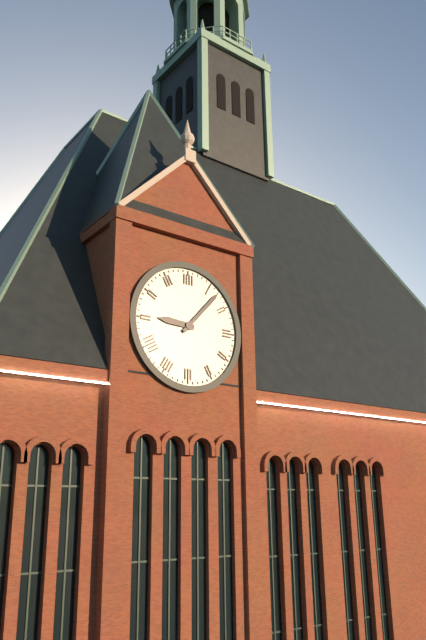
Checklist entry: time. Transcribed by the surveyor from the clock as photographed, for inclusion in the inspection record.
9:07
